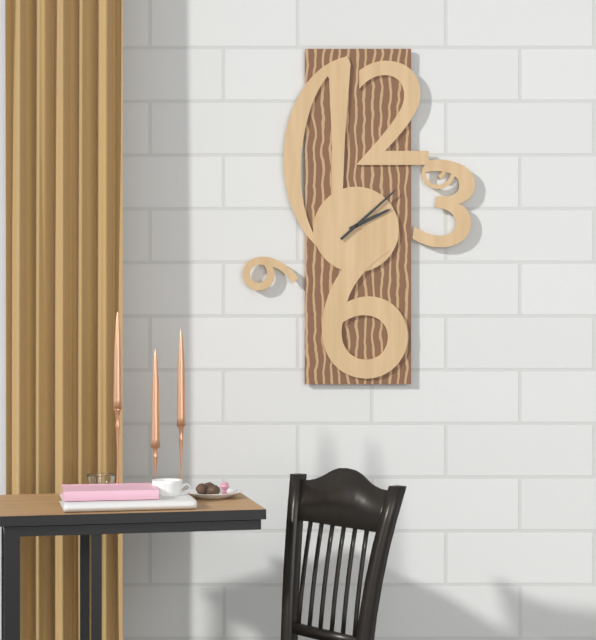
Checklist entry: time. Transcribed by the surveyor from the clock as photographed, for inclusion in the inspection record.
2:08
